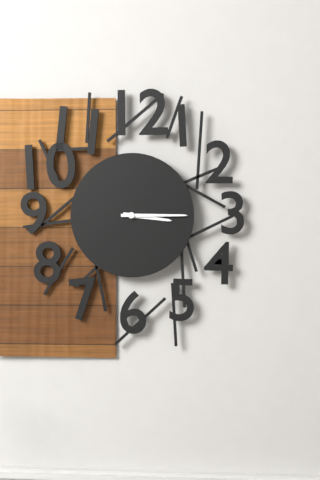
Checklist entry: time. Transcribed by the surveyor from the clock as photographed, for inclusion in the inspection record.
3:15
